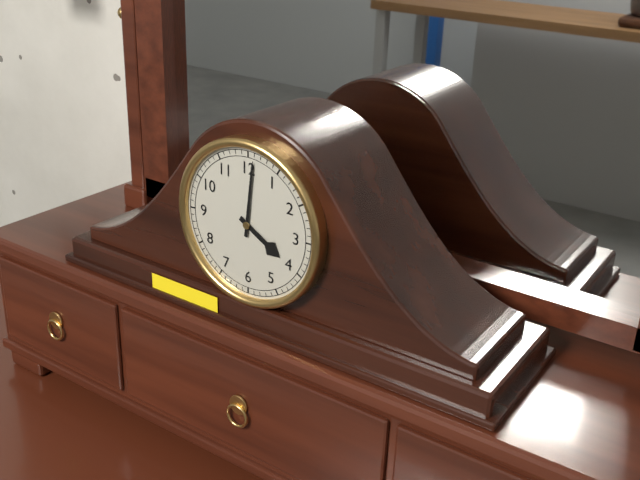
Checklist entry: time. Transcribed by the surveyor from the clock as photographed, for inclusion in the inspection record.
4:01
